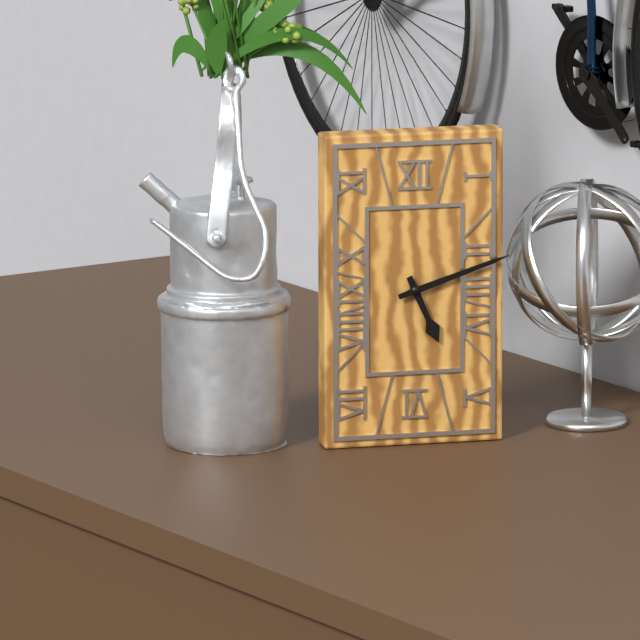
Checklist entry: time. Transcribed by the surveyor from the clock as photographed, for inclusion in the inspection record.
5:12
